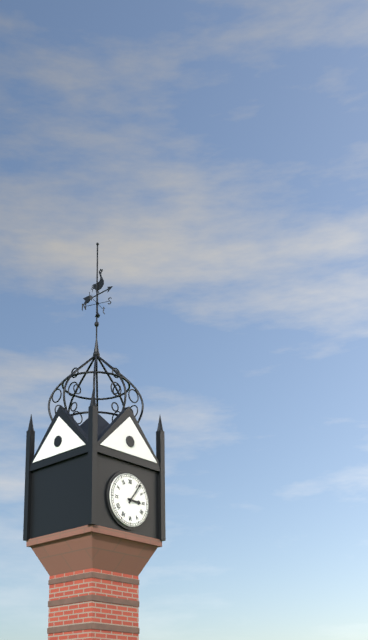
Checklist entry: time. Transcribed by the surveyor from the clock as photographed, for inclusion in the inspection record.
3:06
